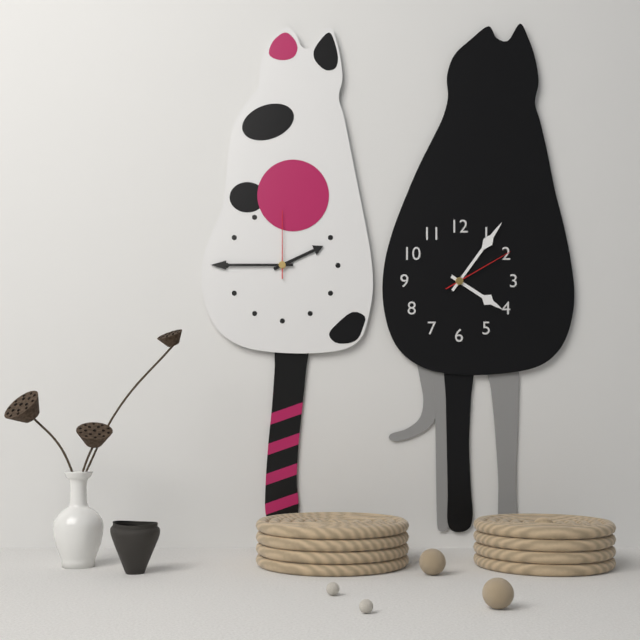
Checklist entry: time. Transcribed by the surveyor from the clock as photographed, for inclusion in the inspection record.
4:06:10
